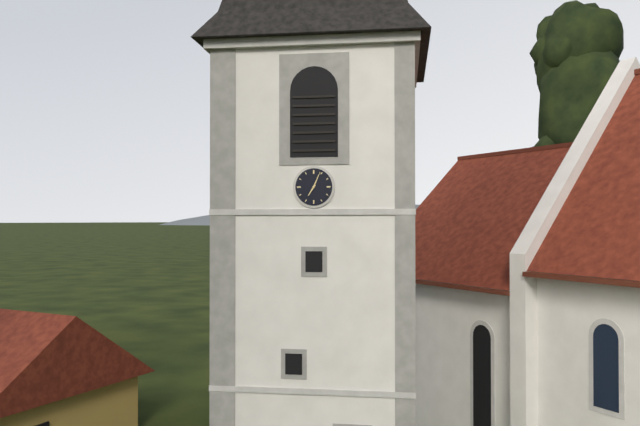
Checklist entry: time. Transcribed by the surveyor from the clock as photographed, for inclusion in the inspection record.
7:04
